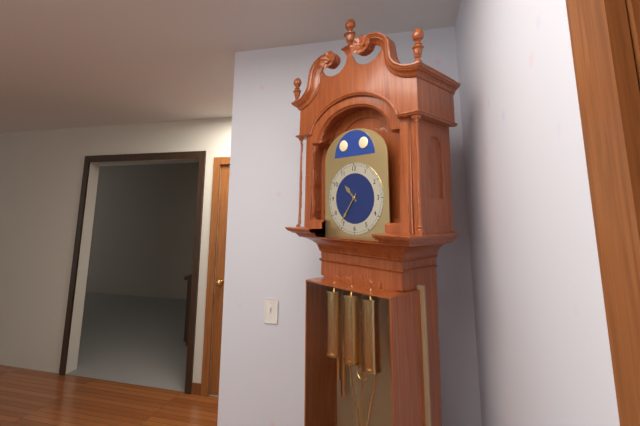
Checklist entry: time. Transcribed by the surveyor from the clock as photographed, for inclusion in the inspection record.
10:36
